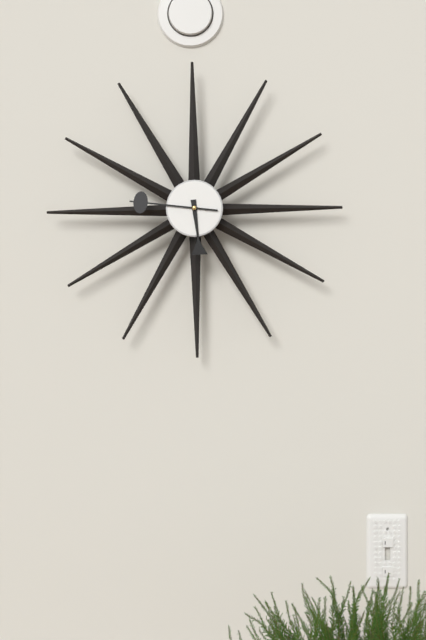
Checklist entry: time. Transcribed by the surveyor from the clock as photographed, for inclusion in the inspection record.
5:46
